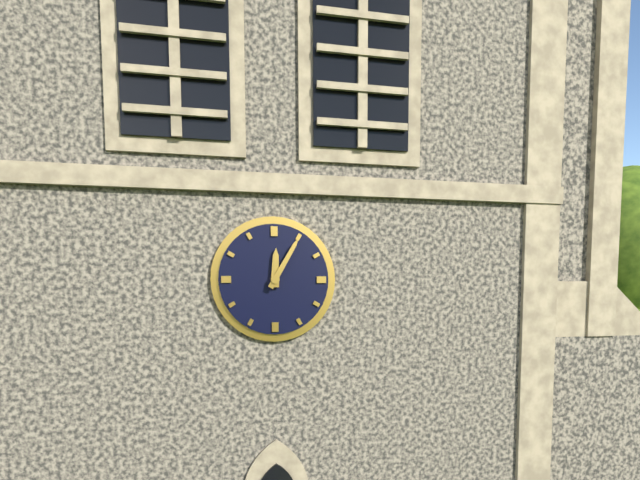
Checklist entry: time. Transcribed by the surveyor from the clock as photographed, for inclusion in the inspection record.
12:05
